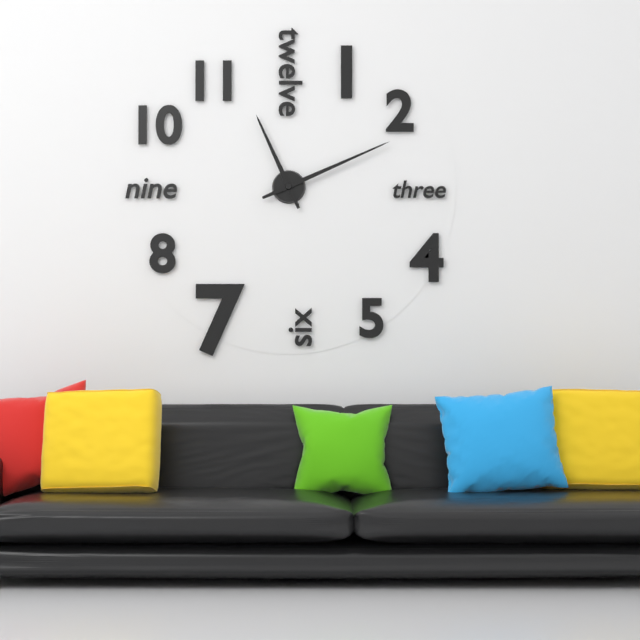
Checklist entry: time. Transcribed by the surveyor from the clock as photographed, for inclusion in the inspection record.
11:11
